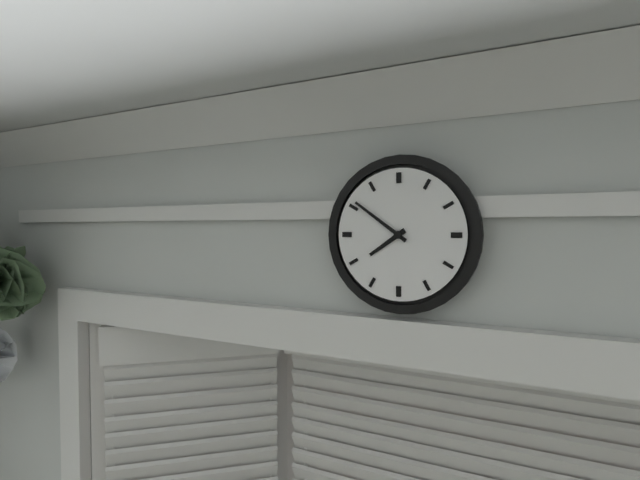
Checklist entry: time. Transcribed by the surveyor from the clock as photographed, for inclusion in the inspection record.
7:51
